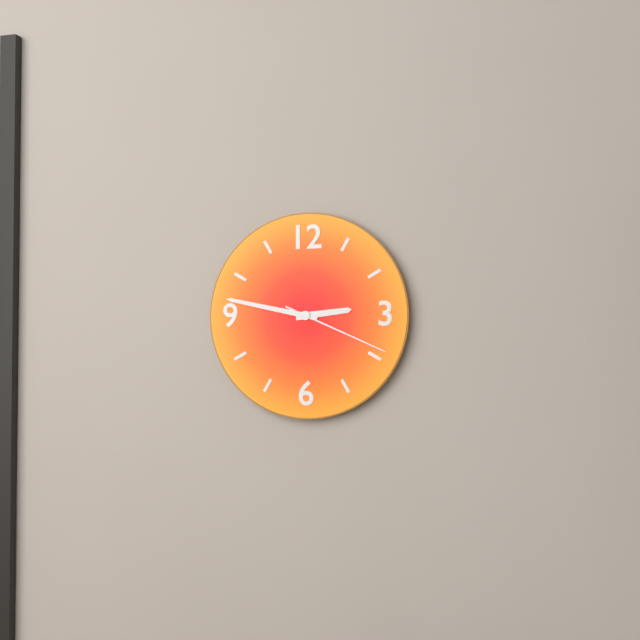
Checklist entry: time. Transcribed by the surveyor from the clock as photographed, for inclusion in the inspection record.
2:47:19
